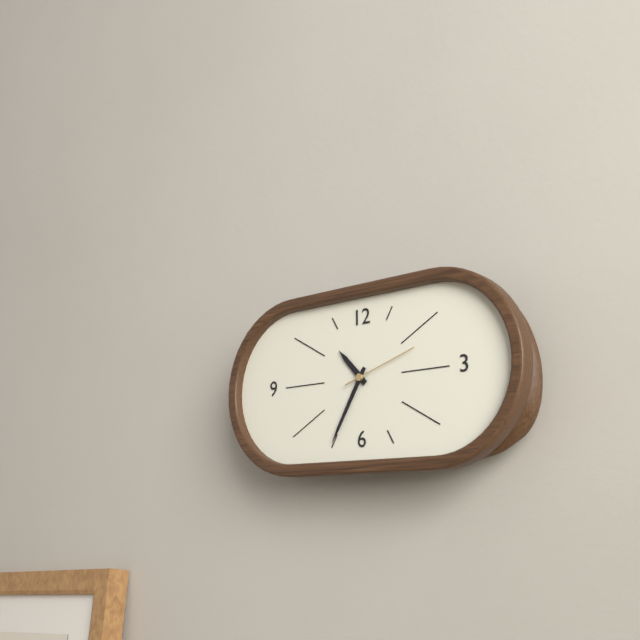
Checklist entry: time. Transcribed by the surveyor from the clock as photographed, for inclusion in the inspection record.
10:35:12
